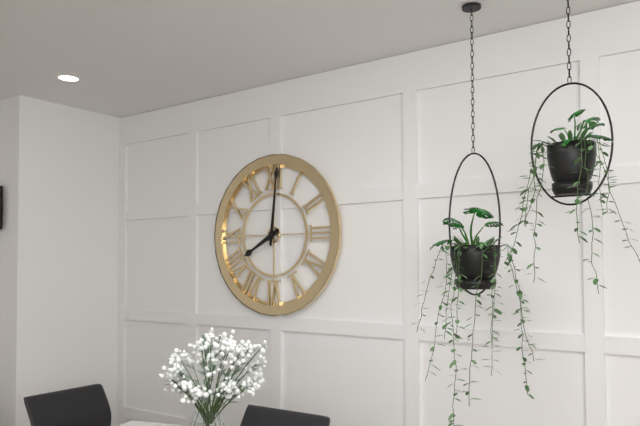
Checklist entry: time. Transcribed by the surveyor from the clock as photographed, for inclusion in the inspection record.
8:01
